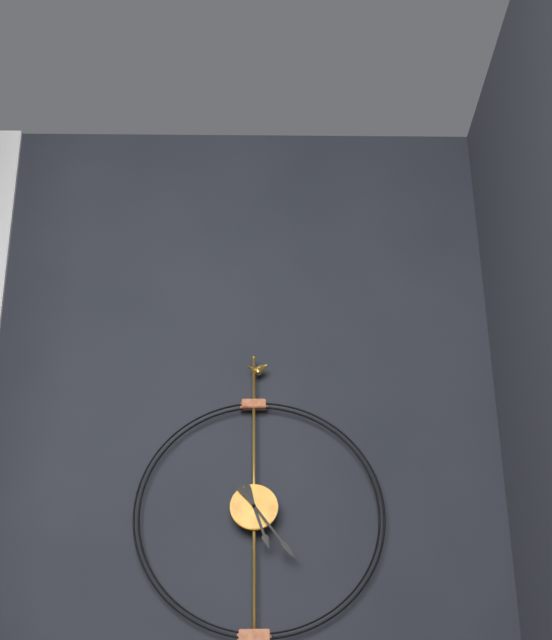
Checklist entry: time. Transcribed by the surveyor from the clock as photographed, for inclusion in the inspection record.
5:24
